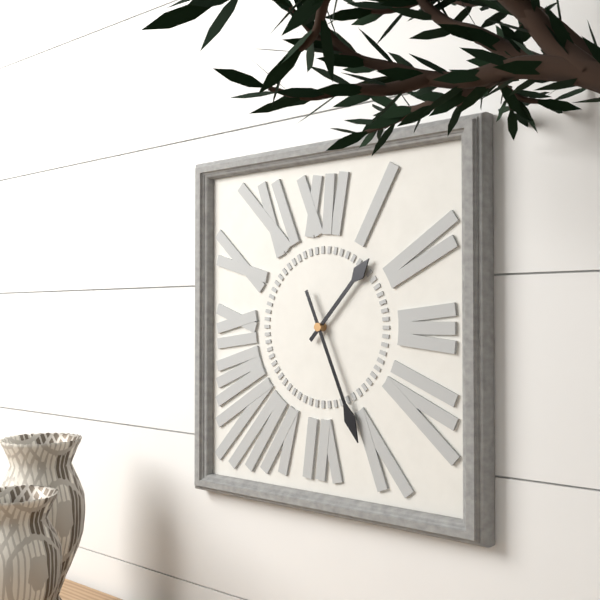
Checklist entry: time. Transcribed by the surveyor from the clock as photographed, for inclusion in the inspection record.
1:26
